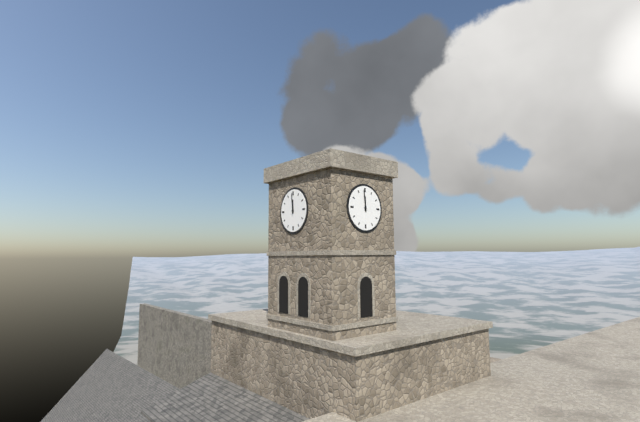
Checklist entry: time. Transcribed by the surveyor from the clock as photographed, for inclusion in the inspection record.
11:59
